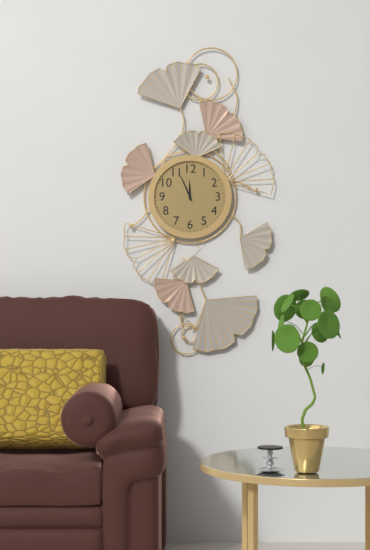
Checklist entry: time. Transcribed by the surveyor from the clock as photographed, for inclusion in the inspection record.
11:56
